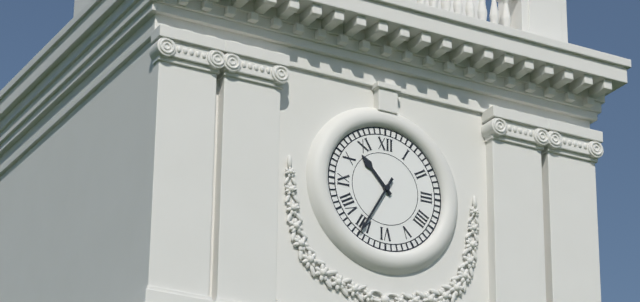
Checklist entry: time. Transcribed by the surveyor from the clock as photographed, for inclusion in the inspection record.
10:35
